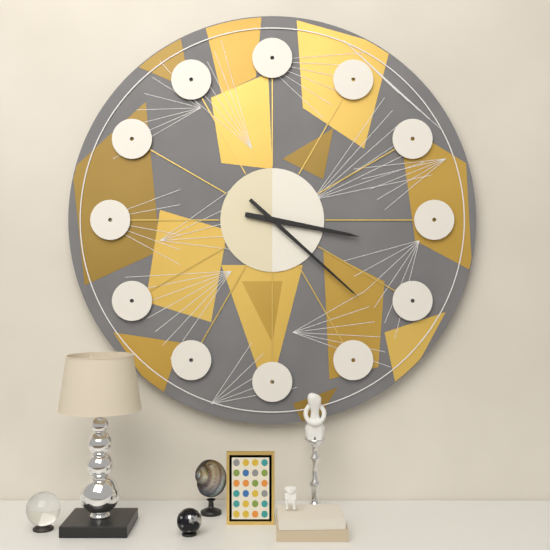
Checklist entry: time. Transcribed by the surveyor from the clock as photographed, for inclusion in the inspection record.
3:22
